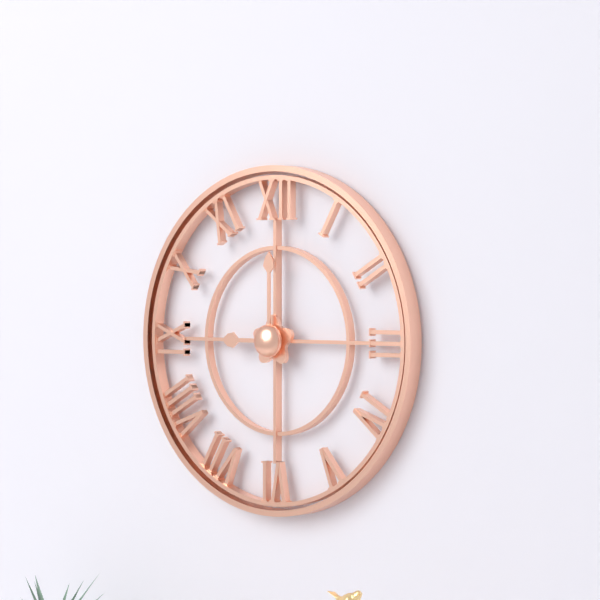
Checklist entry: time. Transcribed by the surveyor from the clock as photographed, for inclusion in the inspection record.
9:00
